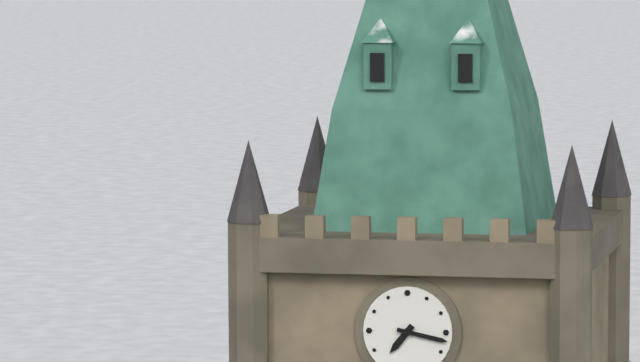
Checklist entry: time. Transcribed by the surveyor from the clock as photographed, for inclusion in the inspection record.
7:17
